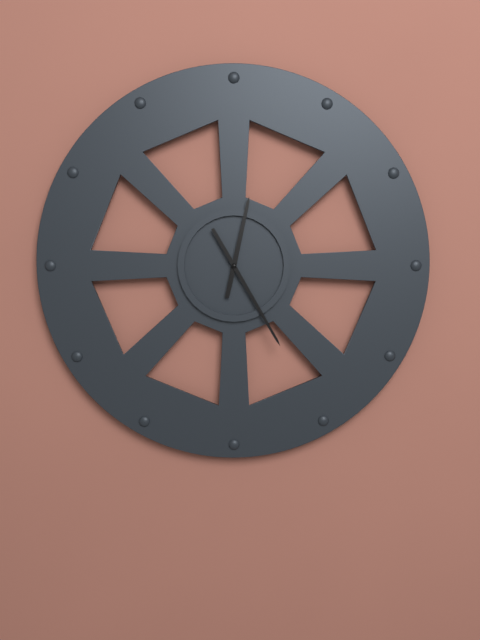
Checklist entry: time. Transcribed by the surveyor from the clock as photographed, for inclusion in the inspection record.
12:25
